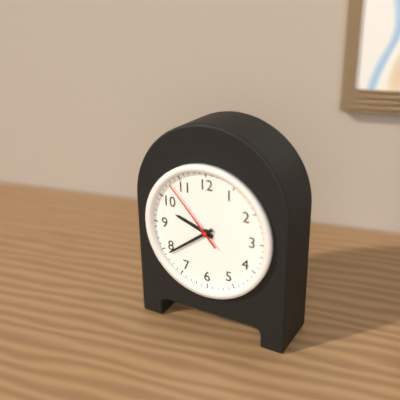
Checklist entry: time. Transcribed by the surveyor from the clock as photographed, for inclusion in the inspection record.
9:39:53
